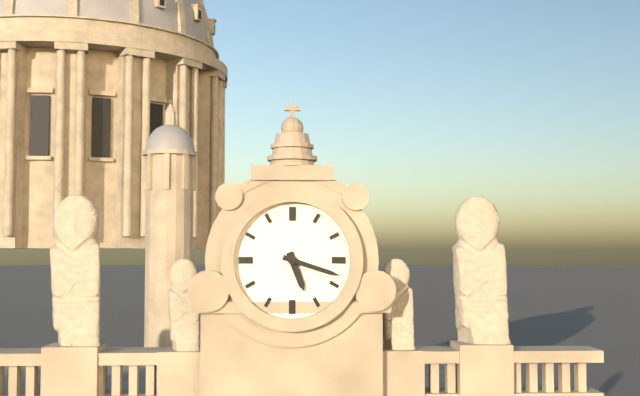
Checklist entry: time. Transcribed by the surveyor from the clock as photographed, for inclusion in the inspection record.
5:18
